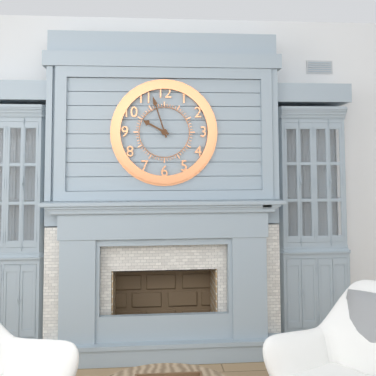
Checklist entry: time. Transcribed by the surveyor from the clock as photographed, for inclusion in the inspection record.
9:57
